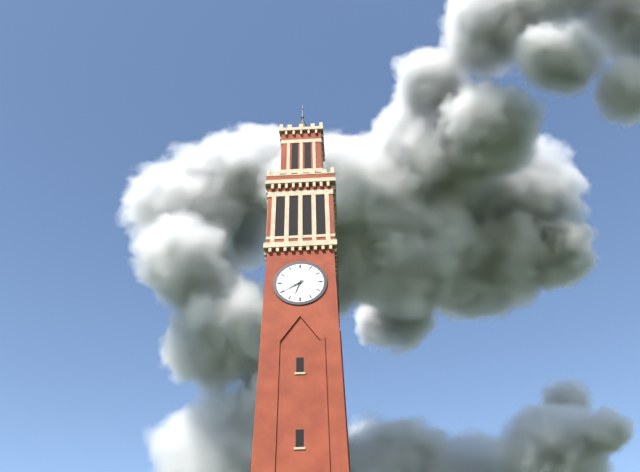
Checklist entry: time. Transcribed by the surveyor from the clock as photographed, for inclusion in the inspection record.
6:40
